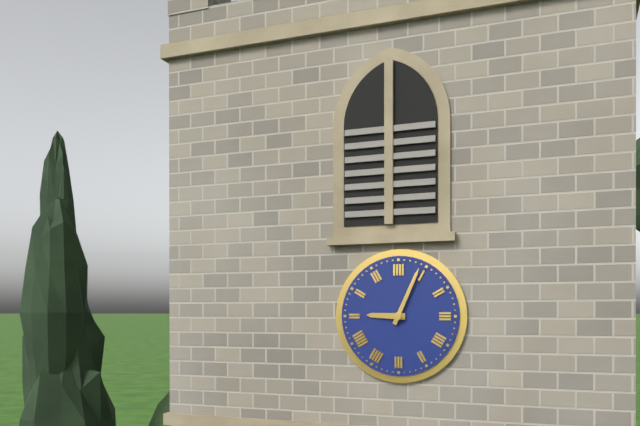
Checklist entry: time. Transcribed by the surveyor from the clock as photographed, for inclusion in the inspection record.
9:04
